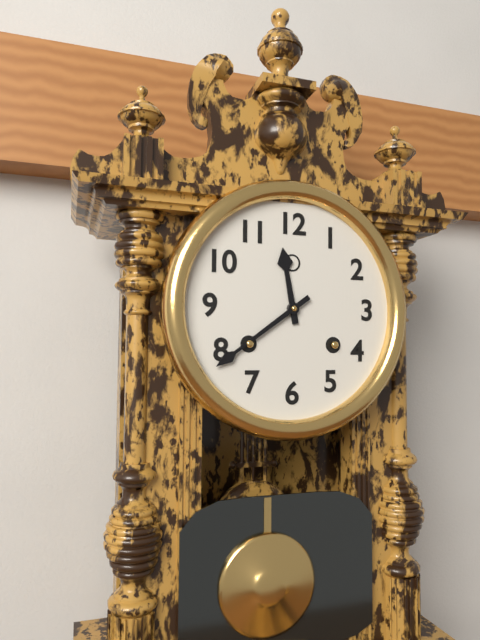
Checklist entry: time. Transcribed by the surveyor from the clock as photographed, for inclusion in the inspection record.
11:39
